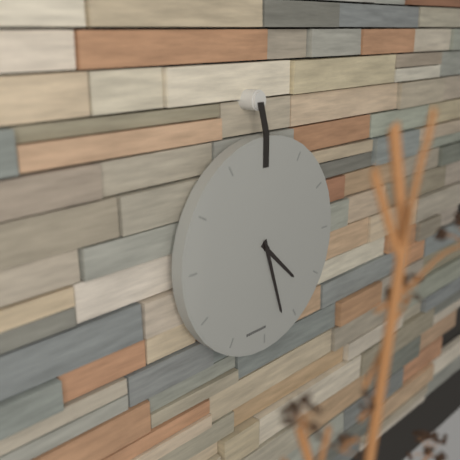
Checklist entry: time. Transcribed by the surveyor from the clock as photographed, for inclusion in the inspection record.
4:27
